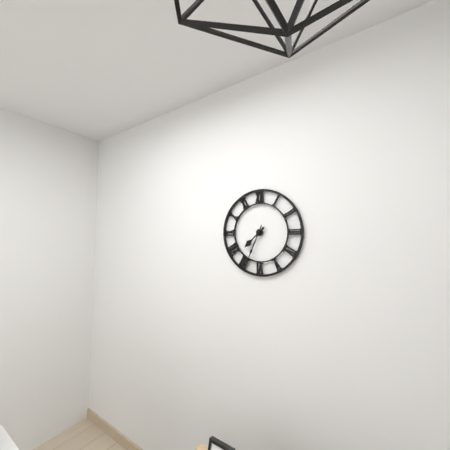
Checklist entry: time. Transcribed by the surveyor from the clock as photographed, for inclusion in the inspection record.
7:34
